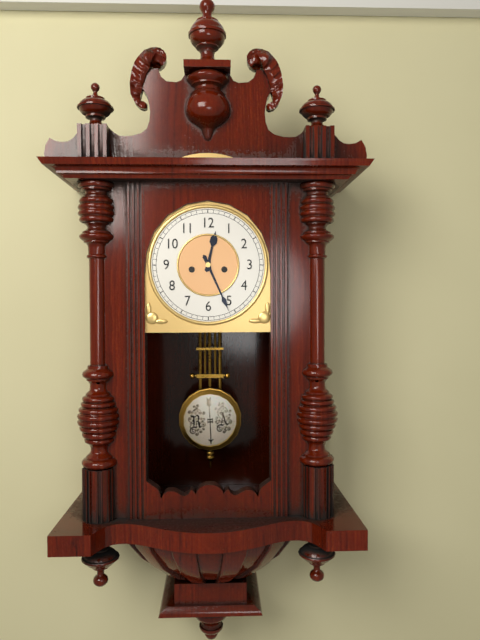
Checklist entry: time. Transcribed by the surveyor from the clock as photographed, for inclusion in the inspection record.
12:26
